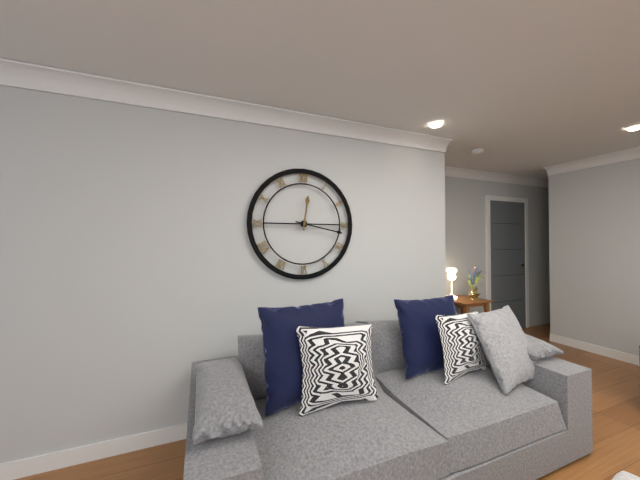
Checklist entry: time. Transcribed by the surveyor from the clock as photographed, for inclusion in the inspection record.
12:17
